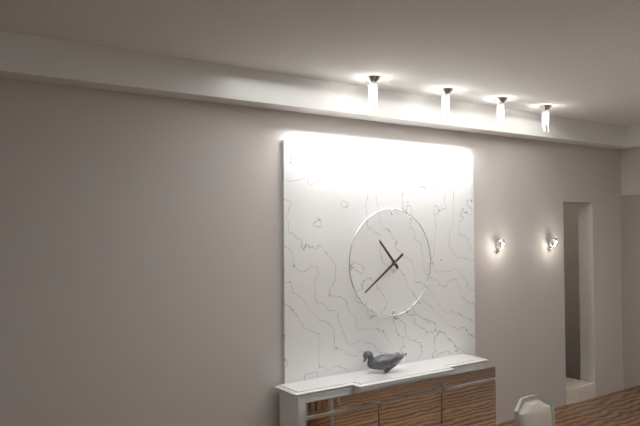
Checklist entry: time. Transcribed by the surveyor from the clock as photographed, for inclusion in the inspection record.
10:39
